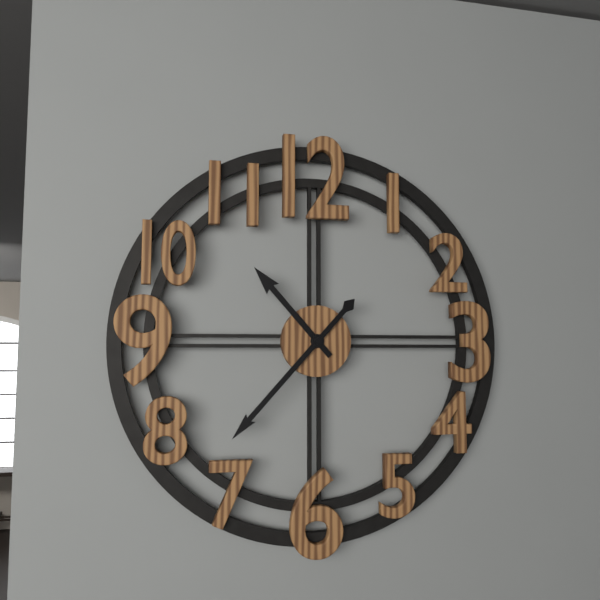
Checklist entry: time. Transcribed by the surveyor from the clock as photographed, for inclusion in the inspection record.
10:37
